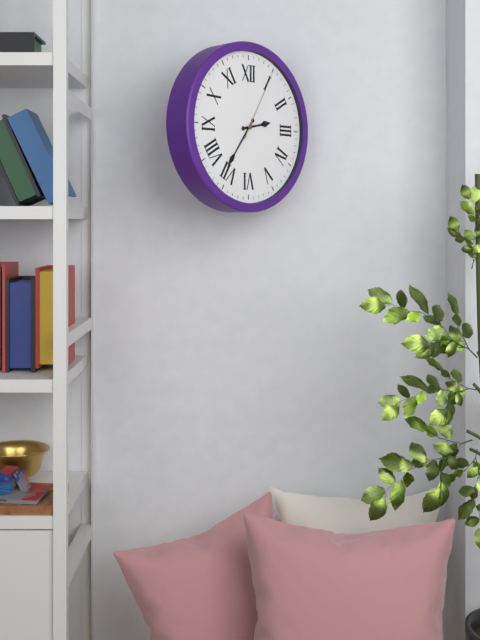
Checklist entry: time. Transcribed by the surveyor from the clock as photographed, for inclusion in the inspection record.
2:36:05
